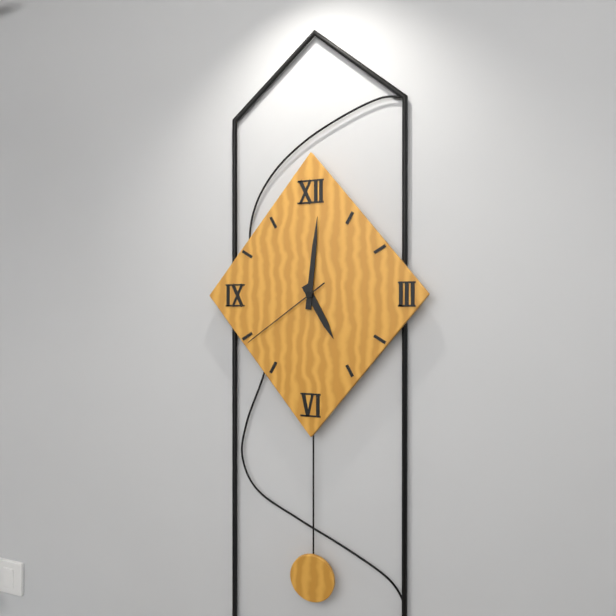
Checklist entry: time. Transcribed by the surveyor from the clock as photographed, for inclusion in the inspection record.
5:01:39
